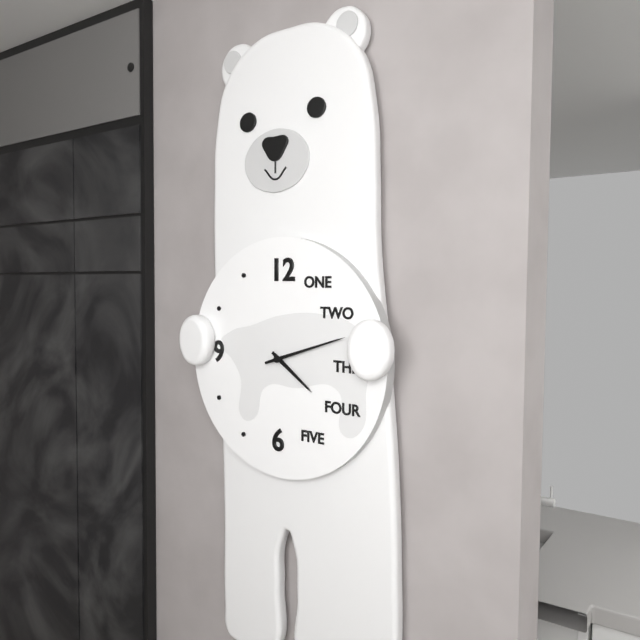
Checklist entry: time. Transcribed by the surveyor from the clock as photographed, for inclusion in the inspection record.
4:12
